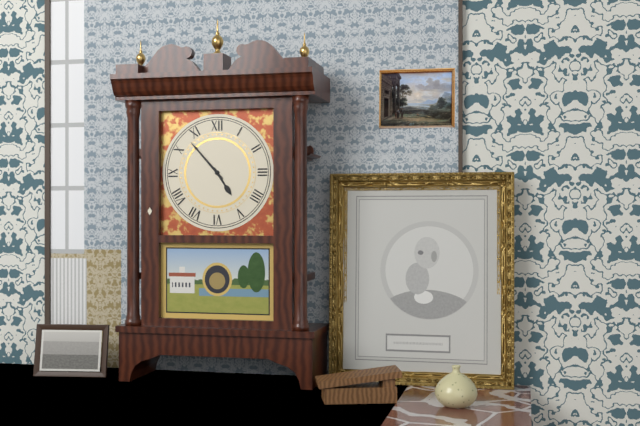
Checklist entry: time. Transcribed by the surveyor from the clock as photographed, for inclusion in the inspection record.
4:53
